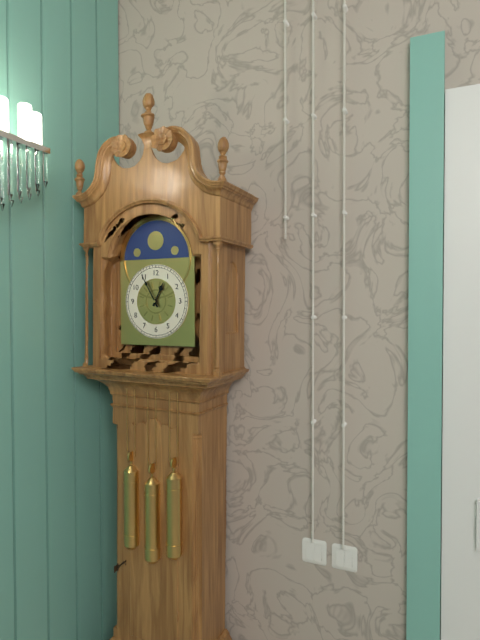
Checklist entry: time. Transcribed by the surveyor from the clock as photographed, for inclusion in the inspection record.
12:55
